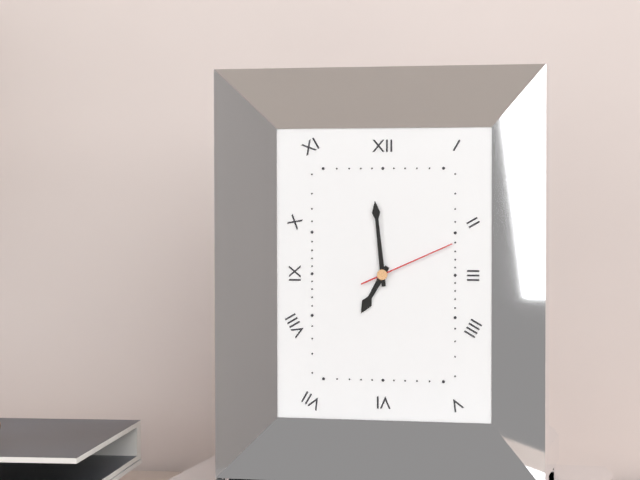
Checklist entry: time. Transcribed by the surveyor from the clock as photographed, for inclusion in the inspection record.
6:59:11
